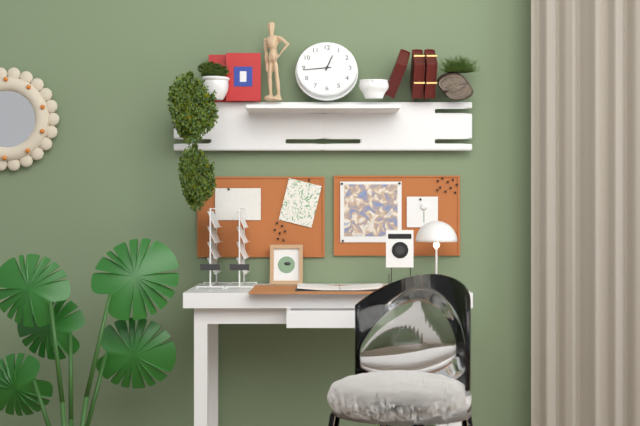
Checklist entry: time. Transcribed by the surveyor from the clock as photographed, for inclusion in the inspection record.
12:44
